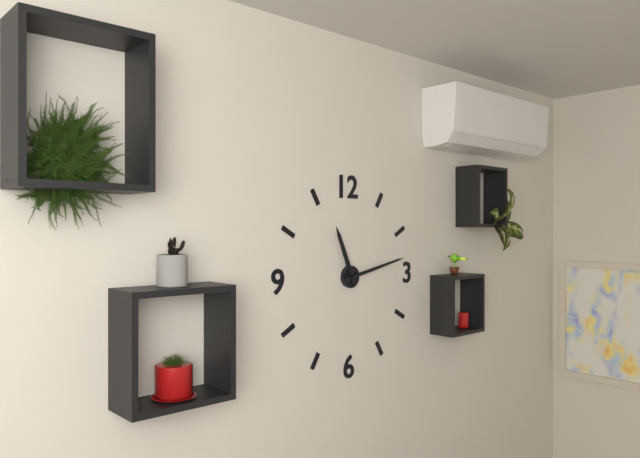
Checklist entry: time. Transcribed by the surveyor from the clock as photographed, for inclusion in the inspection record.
11:13
